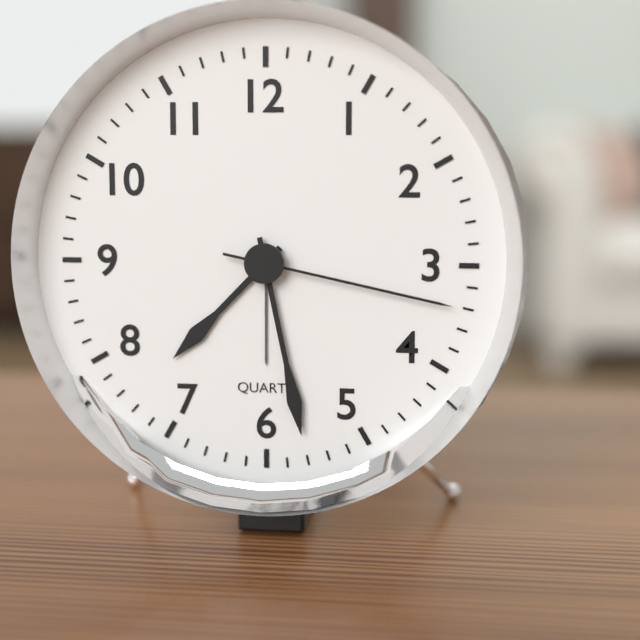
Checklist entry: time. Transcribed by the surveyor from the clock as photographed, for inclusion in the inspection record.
7:28:17
